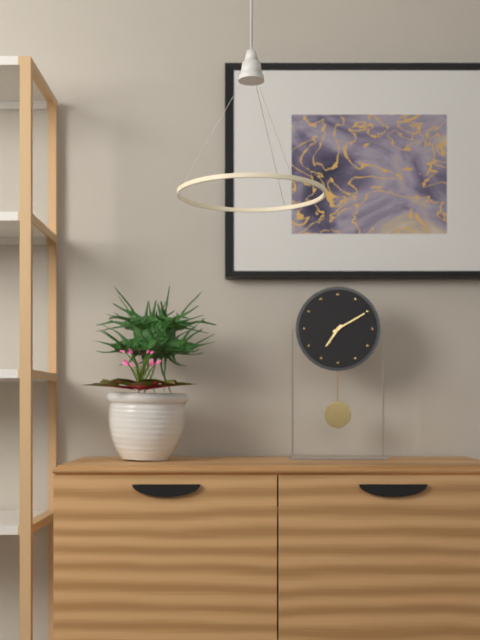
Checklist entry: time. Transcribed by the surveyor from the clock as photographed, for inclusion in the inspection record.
7:10
